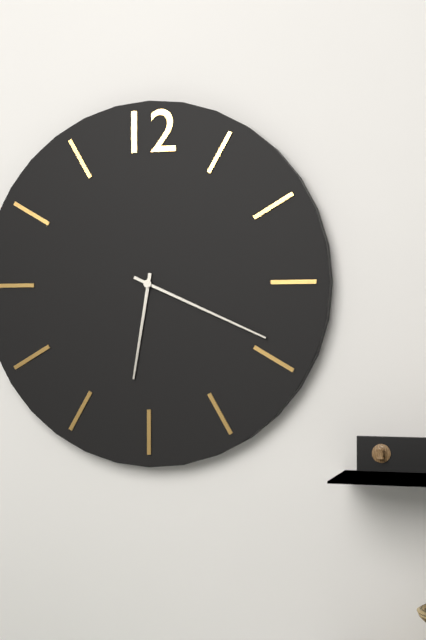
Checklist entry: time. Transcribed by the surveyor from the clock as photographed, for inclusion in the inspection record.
6:19
